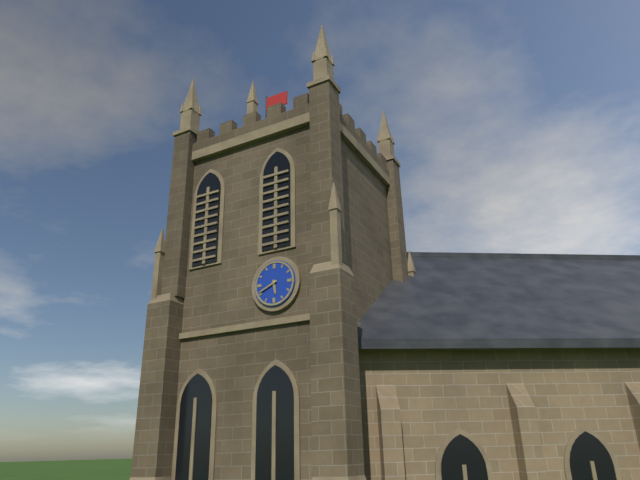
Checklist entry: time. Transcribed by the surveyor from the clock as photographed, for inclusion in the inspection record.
5:41
